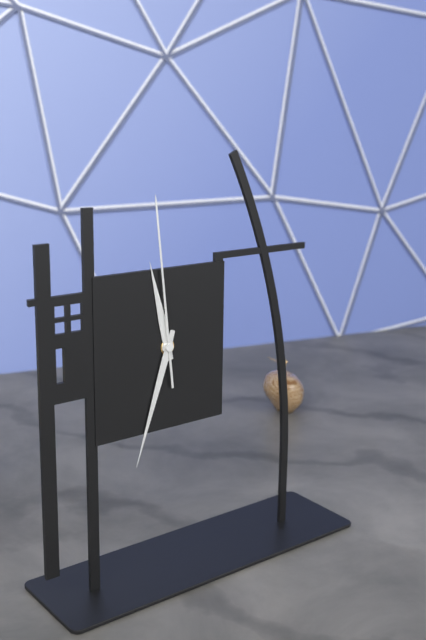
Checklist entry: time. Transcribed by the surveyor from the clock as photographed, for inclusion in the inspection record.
11:33:59
